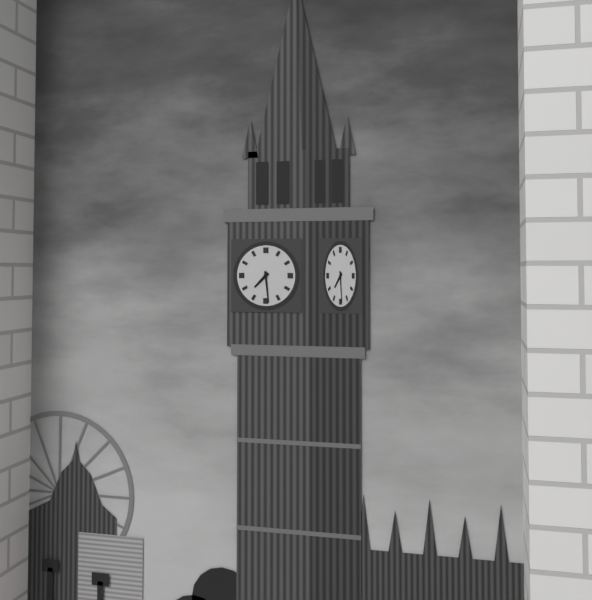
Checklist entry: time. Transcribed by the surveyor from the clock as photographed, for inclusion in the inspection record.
7:29
